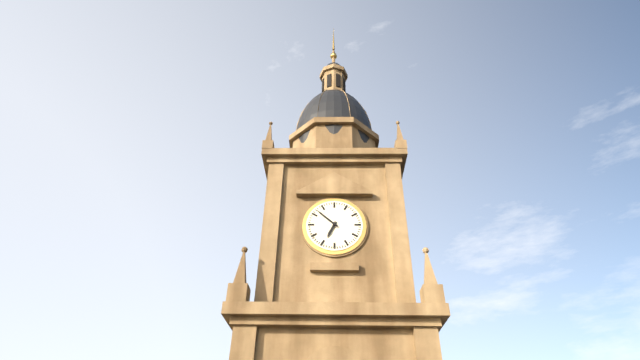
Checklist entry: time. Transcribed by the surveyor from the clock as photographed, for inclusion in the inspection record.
6:52
